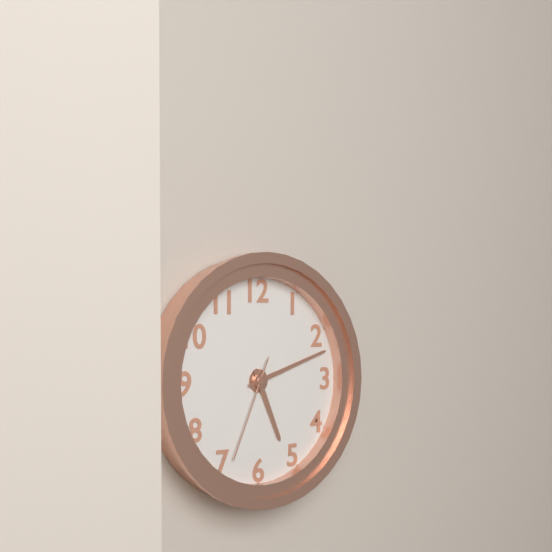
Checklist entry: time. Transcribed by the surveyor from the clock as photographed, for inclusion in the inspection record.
5:12:34
